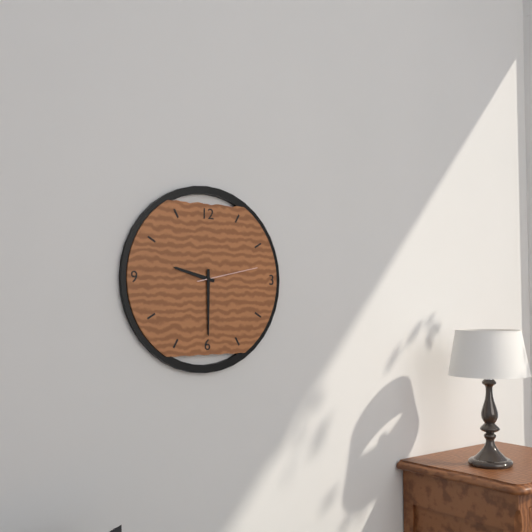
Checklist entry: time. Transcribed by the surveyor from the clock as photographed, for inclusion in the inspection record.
9:30:13
